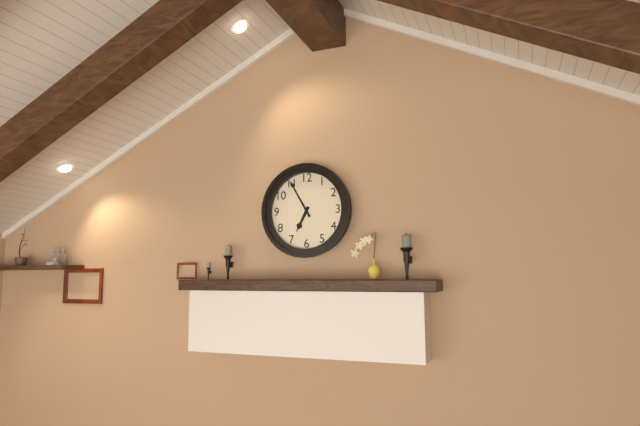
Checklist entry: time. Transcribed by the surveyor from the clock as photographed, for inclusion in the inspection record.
6:55
